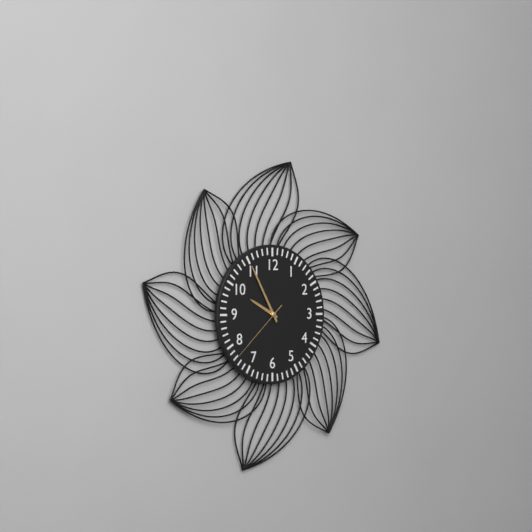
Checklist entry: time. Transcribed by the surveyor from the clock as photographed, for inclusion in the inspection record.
9:55:38
